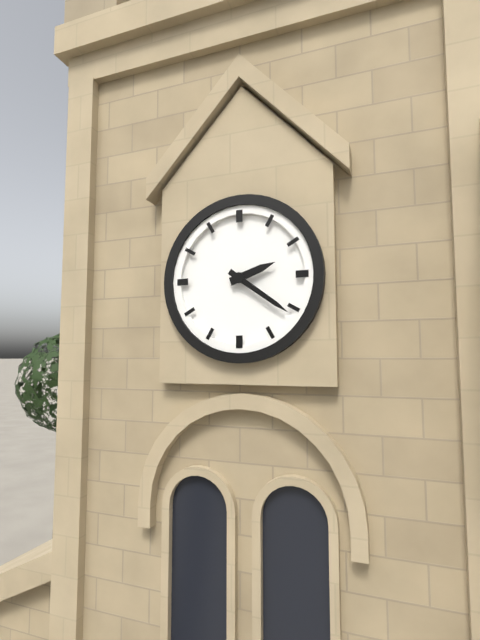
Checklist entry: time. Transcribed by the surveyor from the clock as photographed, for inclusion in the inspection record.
2:21
